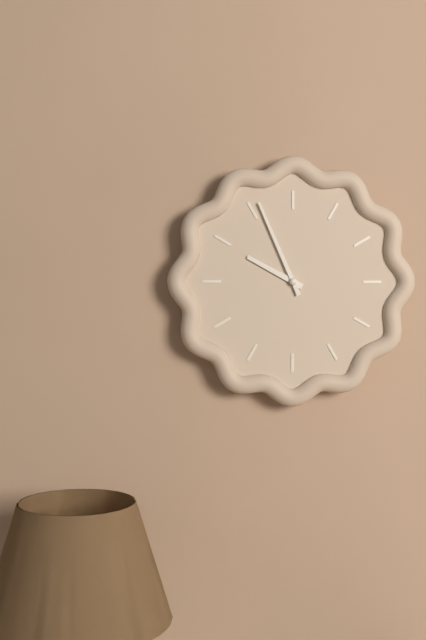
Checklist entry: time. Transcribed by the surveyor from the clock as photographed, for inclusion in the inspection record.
9:56
